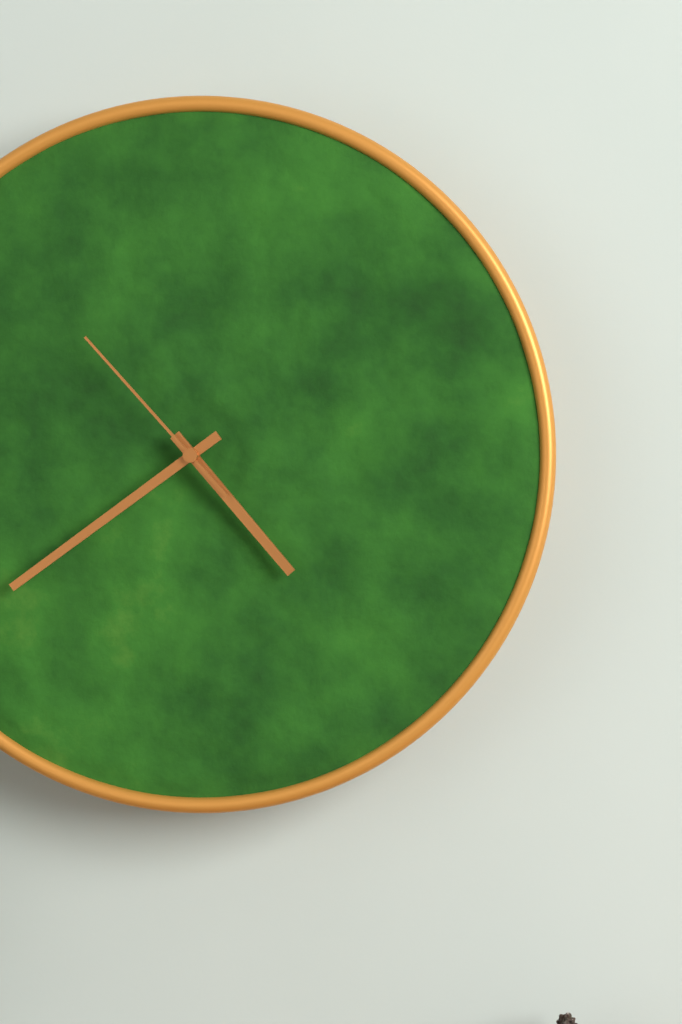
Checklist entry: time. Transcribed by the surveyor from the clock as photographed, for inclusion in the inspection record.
4:39:53
